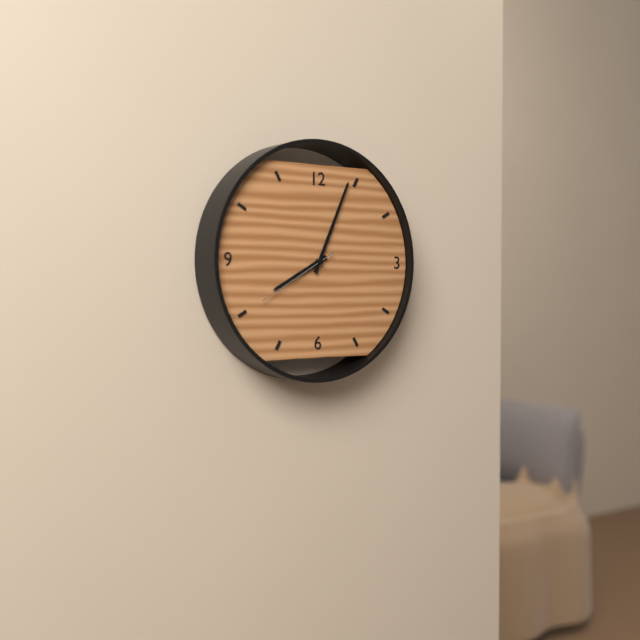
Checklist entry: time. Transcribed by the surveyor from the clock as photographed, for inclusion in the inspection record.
8:04:40
